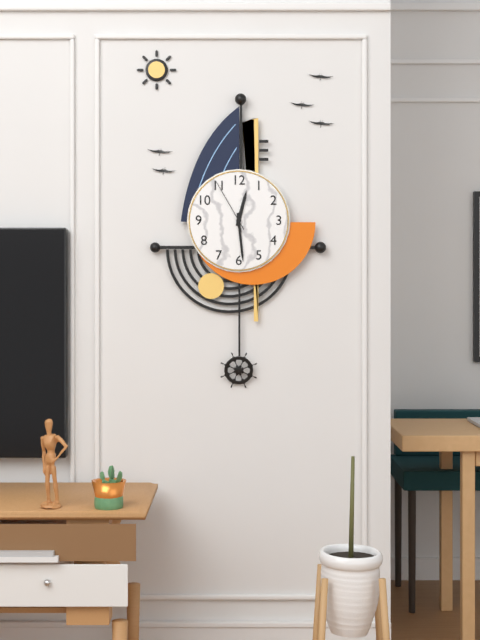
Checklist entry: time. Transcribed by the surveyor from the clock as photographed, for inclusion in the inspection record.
12:29:55
